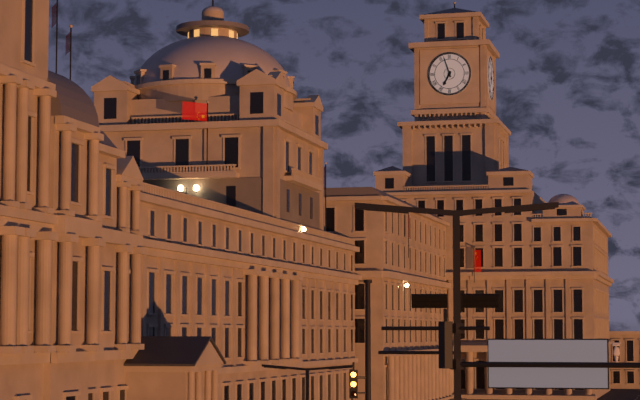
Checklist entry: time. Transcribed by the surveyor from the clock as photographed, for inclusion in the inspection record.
6:57
